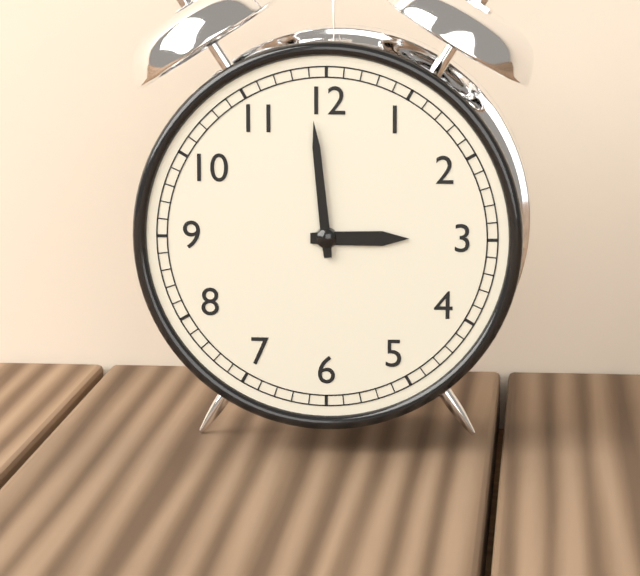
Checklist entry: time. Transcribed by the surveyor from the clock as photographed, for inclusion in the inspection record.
2:59
